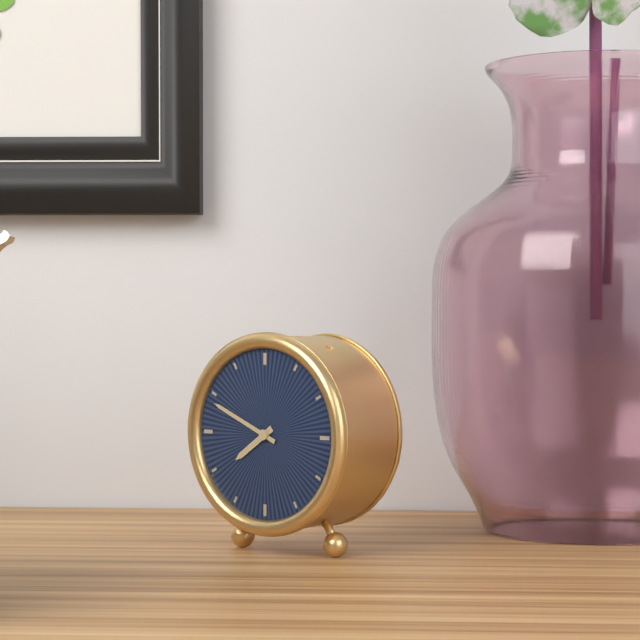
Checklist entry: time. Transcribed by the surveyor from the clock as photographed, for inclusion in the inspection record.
7:49
